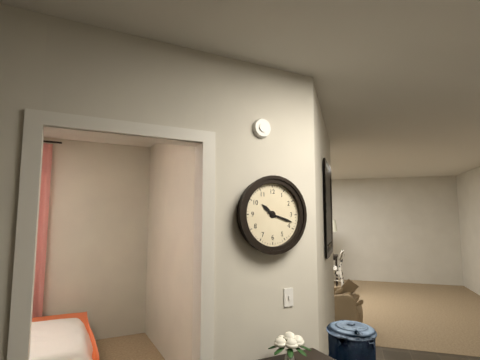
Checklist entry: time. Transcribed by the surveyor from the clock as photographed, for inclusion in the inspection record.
10:18
